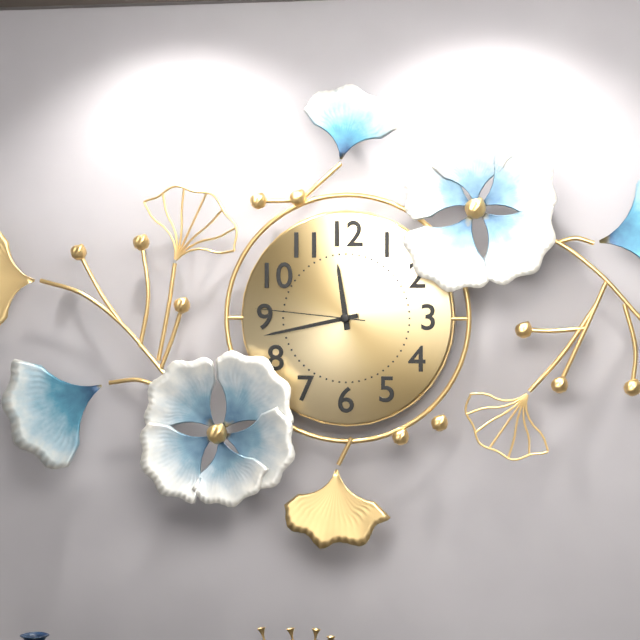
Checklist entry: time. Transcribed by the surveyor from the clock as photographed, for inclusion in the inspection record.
11:43:46
